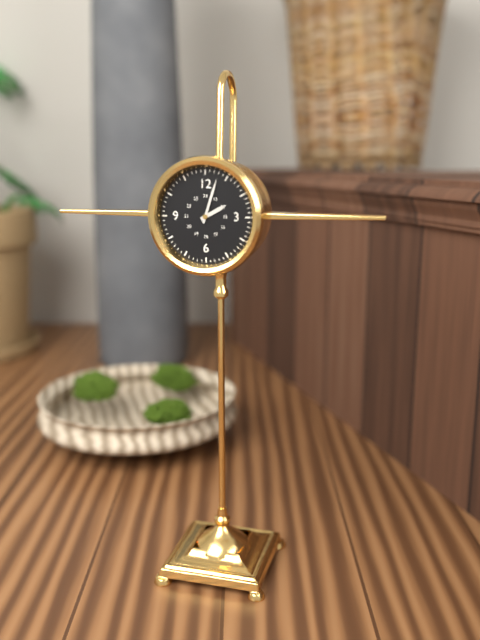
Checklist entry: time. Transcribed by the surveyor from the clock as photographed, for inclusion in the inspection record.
2:03
